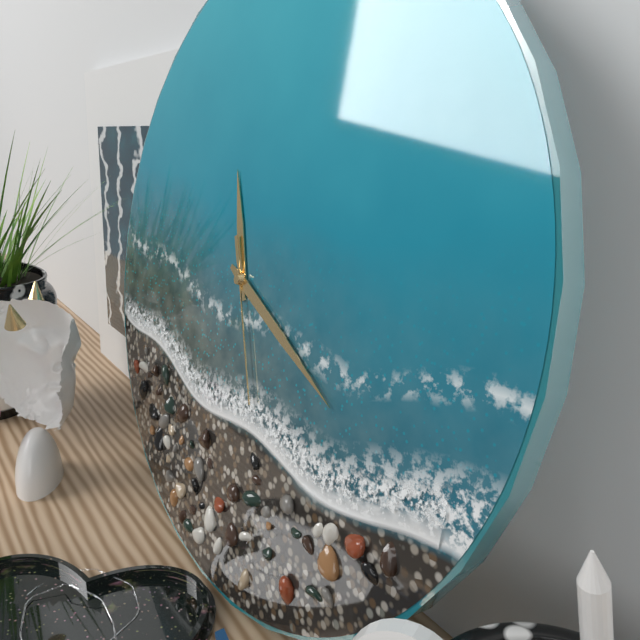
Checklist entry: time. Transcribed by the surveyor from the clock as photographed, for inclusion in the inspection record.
11:19:26
